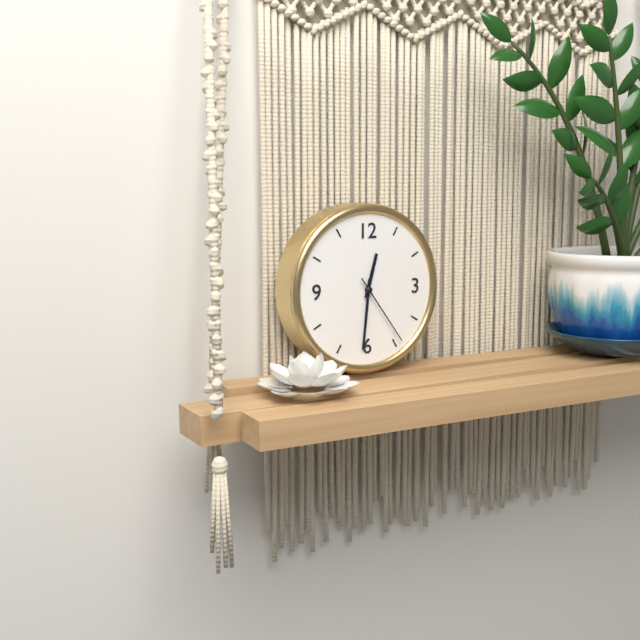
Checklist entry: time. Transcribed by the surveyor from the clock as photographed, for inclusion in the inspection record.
12:31:24
